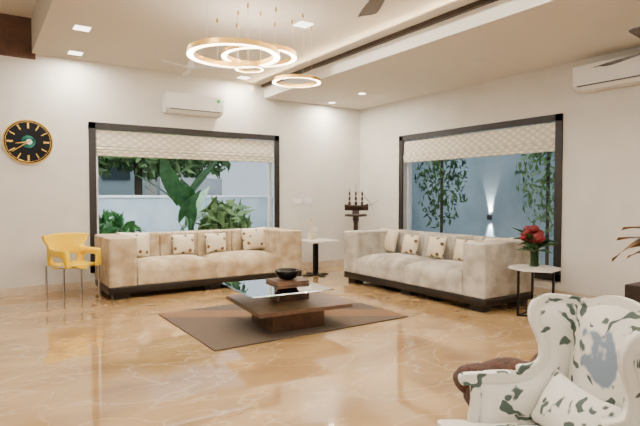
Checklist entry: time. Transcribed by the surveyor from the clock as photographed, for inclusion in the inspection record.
8:39
